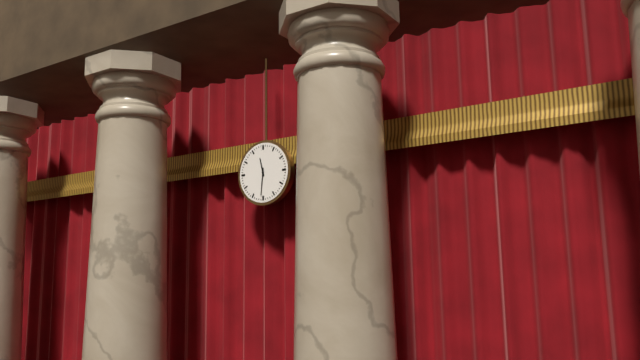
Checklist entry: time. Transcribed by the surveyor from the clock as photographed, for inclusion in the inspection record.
11:31
